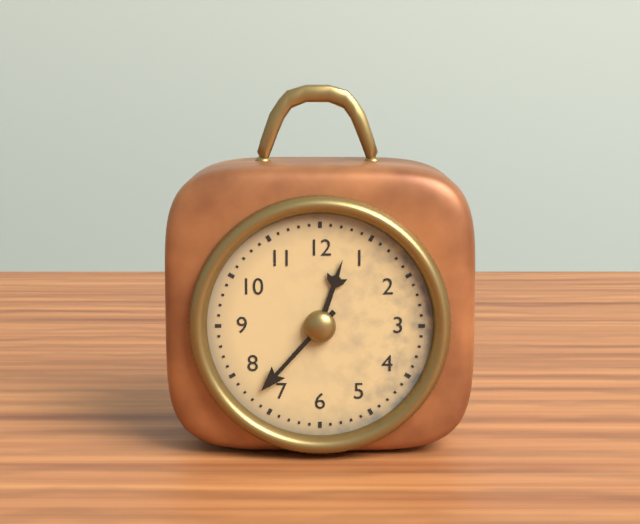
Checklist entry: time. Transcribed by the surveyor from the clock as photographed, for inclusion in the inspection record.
12:37
